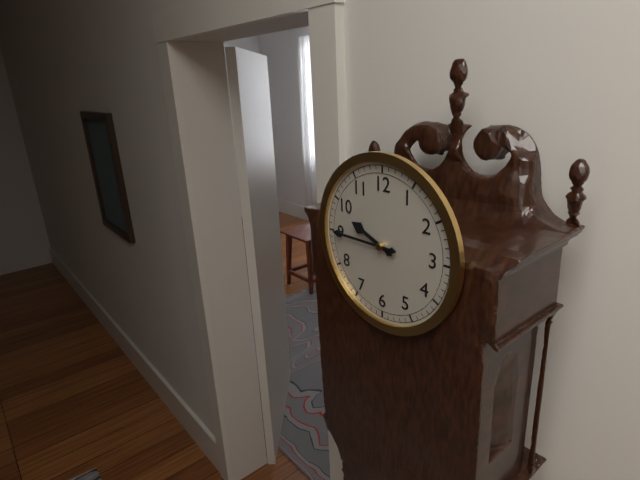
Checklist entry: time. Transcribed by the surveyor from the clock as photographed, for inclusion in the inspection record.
9:45
